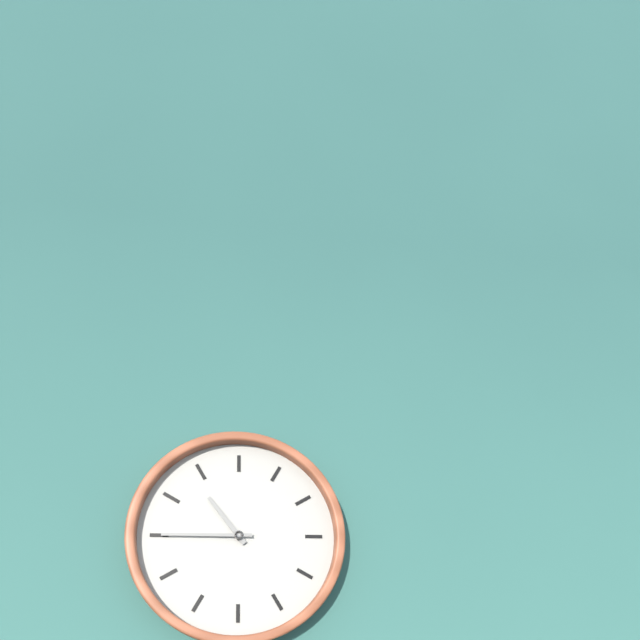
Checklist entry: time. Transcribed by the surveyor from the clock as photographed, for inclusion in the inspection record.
10:45
